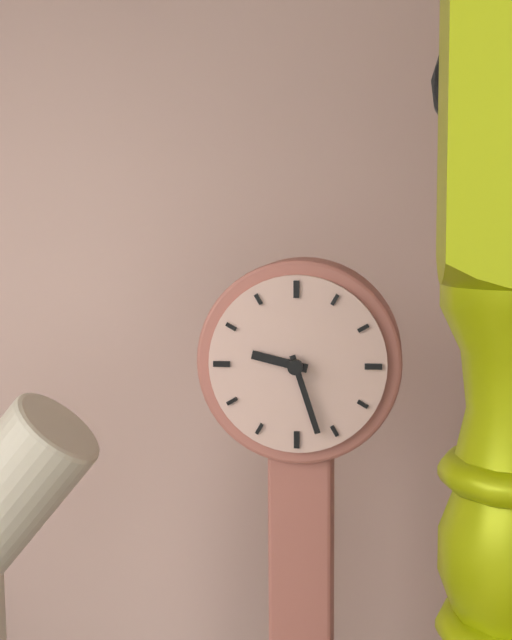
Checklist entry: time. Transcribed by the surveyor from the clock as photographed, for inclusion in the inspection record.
9:27
